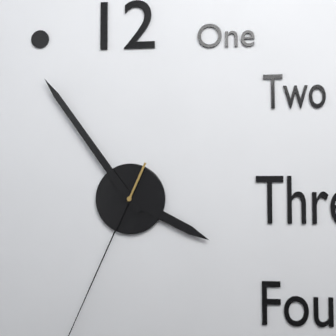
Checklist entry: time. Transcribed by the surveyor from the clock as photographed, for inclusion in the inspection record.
3:54
